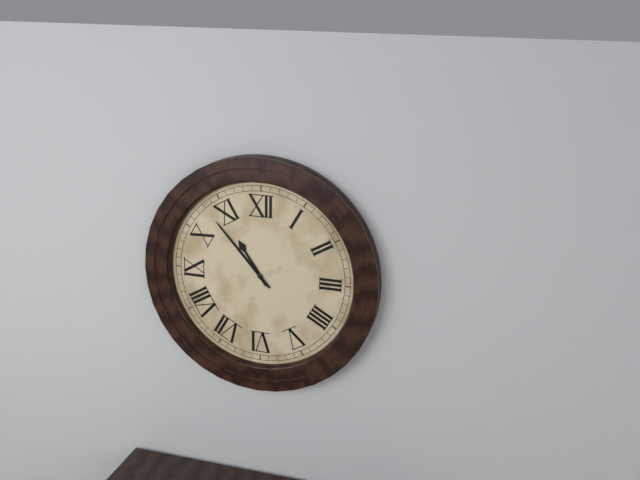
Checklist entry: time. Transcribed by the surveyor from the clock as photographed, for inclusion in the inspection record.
10:53
